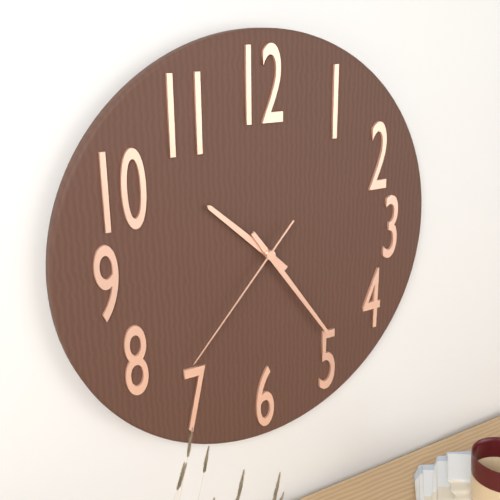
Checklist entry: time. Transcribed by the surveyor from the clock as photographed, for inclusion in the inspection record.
10:24:37
